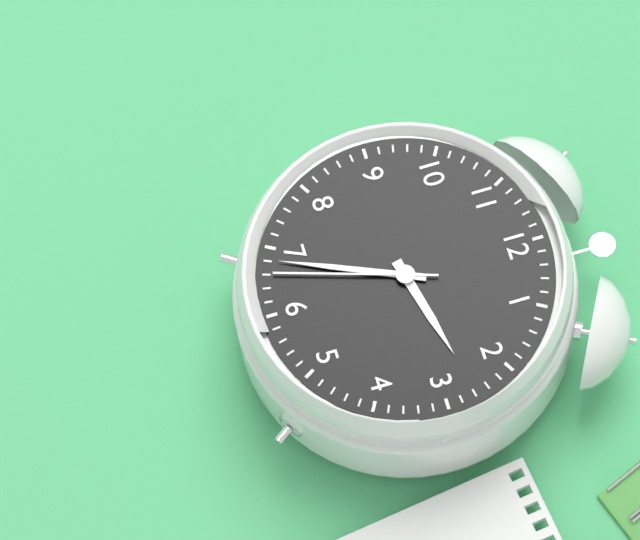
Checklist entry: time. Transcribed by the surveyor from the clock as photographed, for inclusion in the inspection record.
2:34:33
